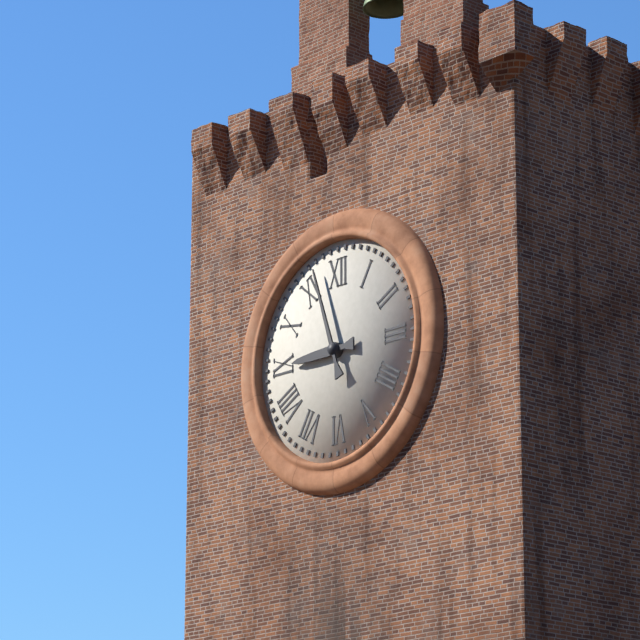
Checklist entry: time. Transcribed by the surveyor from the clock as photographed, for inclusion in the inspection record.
8:57
